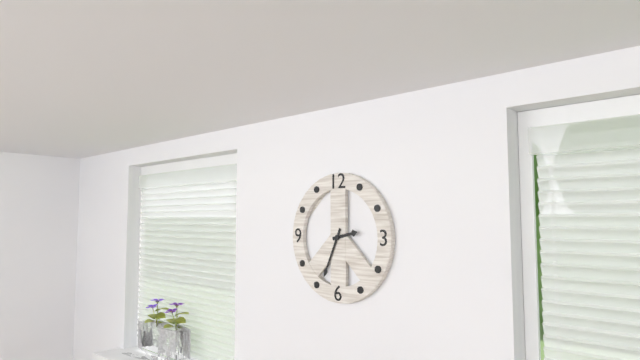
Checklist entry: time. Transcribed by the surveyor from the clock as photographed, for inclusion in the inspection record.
2:34
